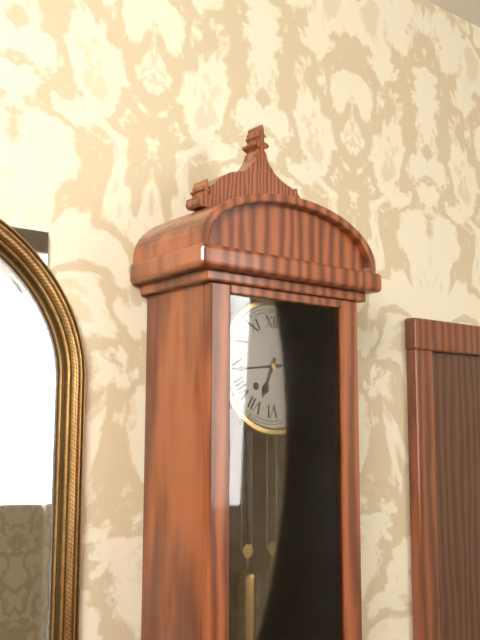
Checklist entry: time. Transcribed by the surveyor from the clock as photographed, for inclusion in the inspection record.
6:44
